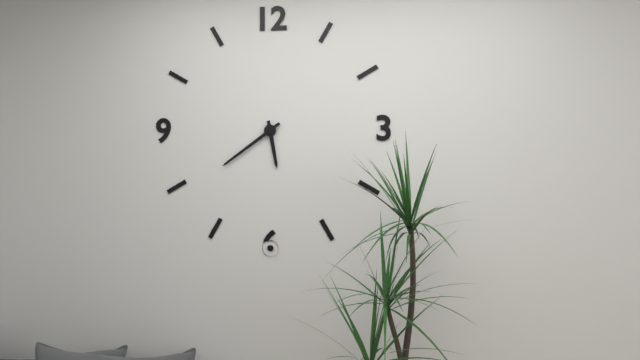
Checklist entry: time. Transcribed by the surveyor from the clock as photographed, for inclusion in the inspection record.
5:39
